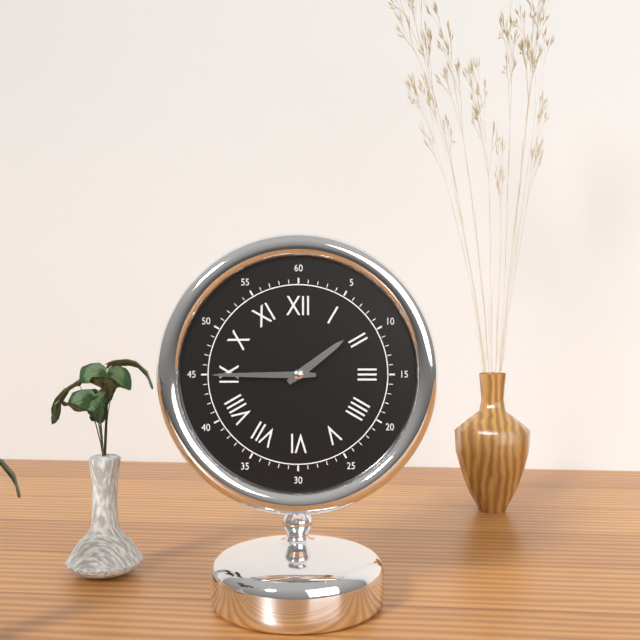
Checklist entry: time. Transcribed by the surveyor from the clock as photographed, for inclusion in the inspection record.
1:45
